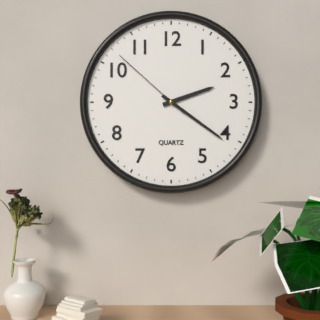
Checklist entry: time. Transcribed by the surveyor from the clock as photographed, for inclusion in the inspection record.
2:21:52
